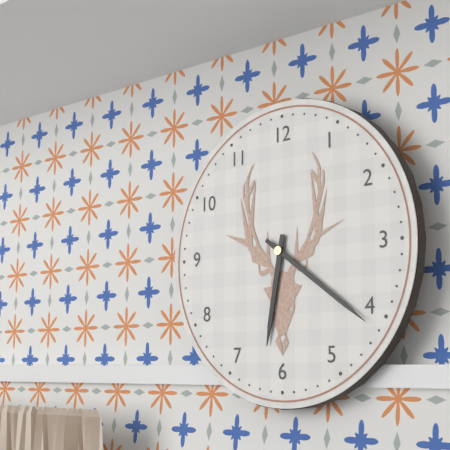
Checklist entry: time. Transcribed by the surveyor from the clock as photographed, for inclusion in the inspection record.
6:21
